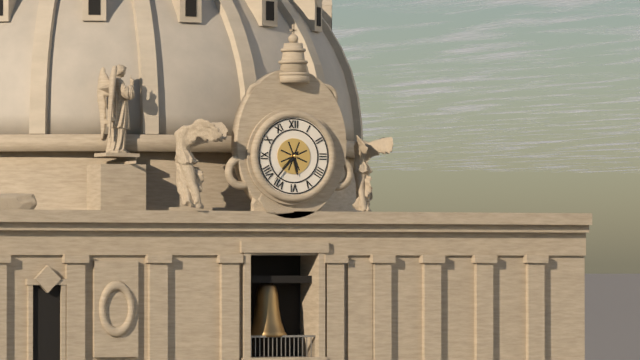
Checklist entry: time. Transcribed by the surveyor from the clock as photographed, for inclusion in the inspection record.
5:37
